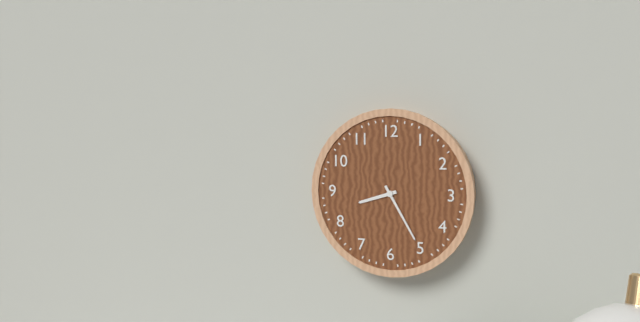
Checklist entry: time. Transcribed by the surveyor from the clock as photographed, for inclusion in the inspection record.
8:25
